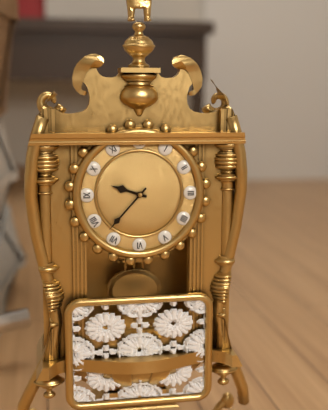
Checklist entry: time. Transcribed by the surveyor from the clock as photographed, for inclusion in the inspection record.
9:37
